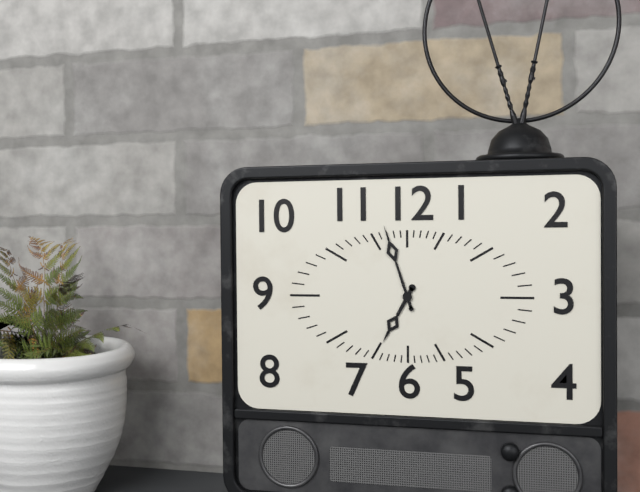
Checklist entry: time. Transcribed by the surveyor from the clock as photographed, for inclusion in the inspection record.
6:57
